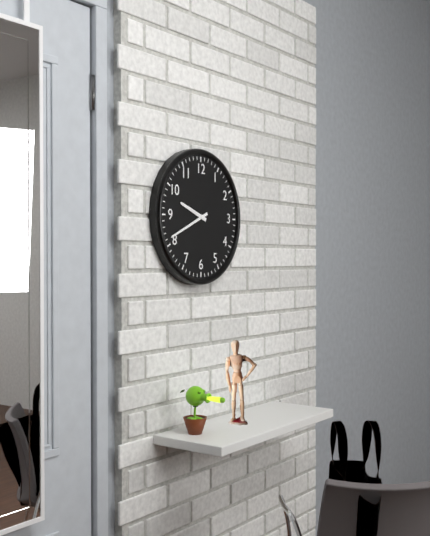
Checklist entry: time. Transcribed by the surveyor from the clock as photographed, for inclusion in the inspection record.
9:41
